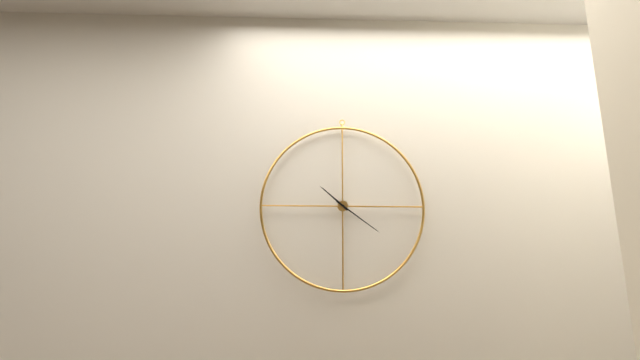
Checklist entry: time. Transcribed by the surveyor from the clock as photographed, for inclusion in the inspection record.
10:21
